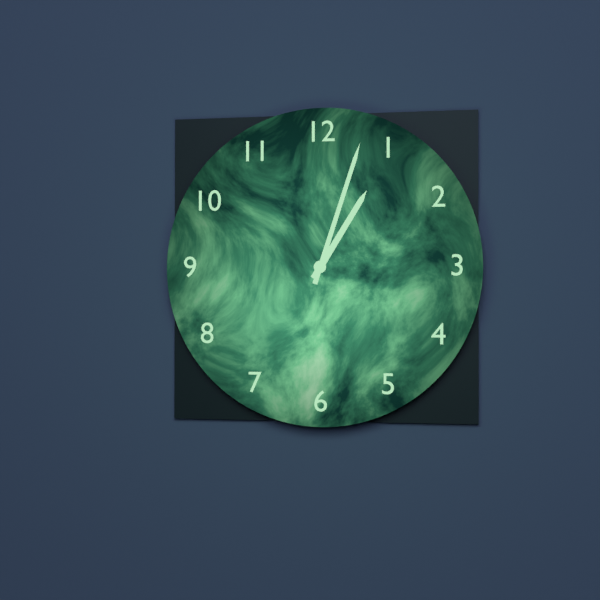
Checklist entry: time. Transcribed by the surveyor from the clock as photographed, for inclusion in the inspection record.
1:03
